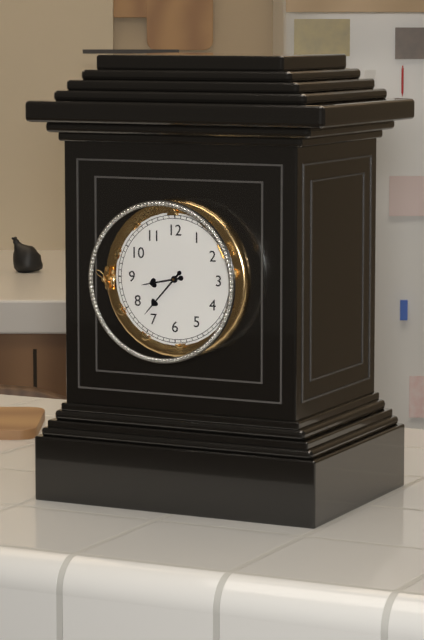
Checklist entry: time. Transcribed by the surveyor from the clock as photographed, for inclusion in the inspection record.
8:37
